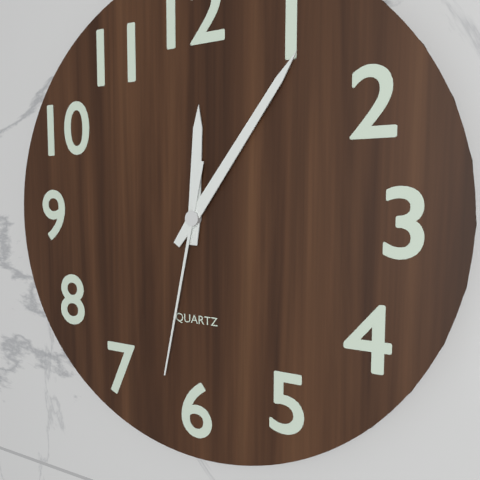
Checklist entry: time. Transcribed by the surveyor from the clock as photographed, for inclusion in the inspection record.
12:06:32
